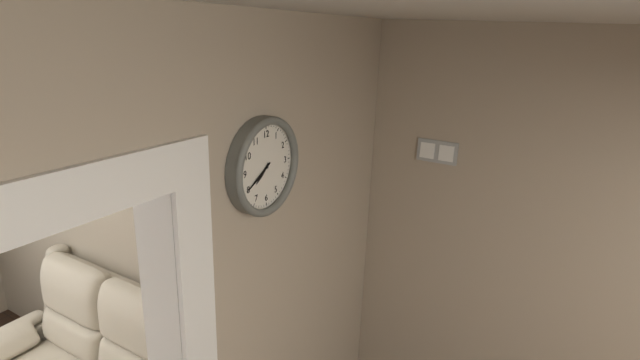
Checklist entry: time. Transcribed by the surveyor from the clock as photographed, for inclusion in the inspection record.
7:40
